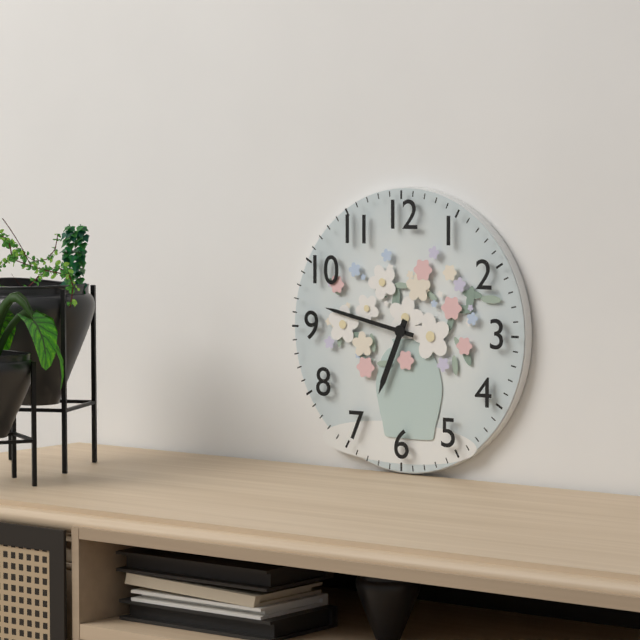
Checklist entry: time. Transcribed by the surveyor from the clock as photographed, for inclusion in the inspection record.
6:47
